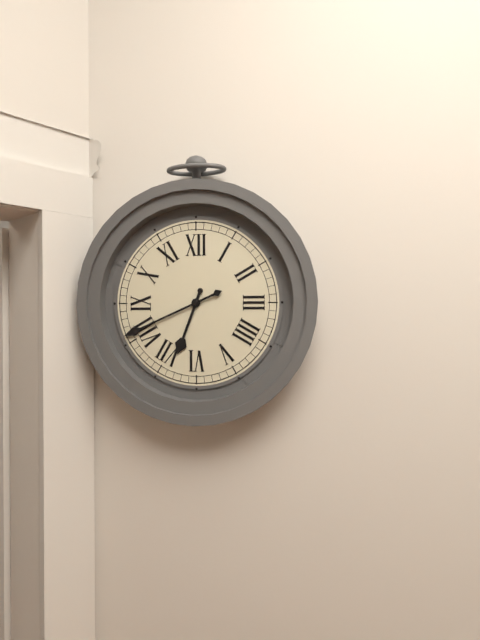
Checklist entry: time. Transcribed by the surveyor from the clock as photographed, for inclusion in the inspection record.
6:41
